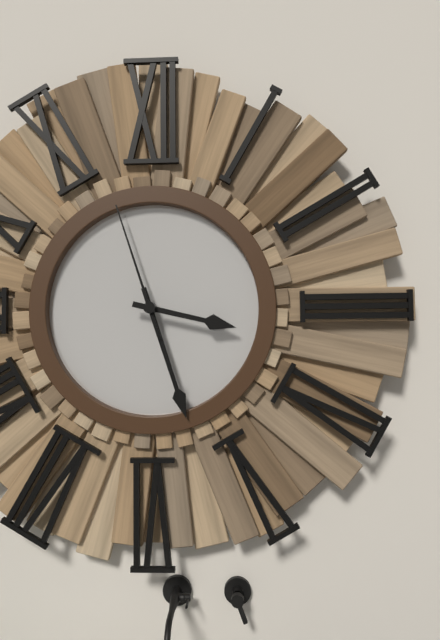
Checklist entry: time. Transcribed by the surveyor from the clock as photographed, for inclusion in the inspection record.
3:27:57
